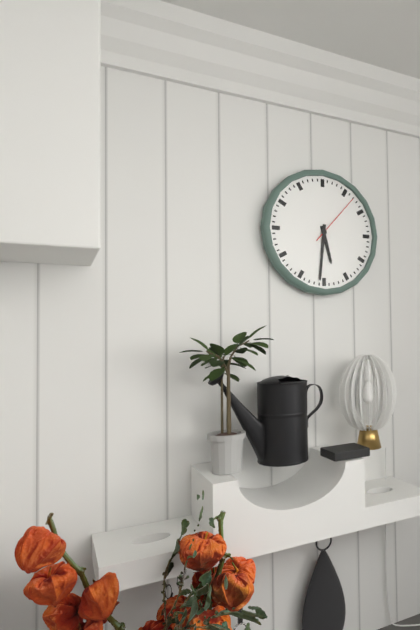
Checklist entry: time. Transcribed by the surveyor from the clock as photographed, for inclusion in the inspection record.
5:31:07
